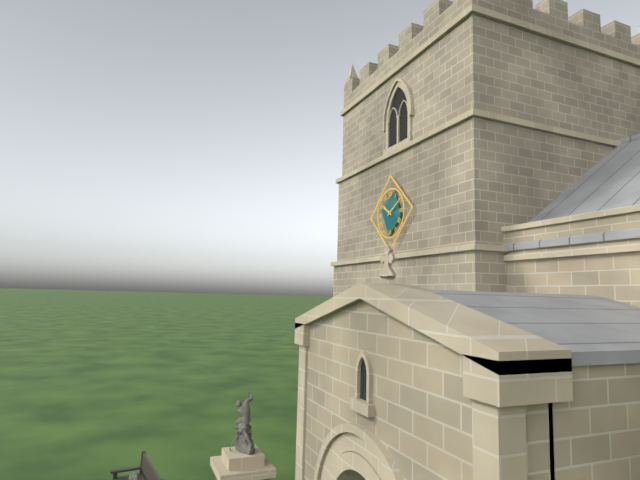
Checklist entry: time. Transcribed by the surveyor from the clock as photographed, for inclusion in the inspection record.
10:10
